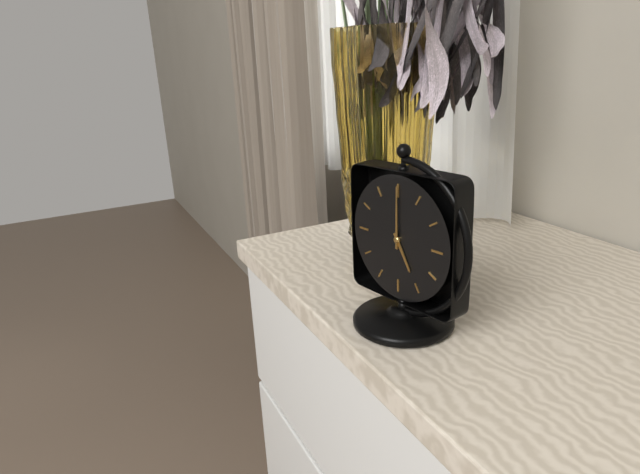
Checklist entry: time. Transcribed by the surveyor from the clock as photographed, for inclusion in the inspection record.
5:00
